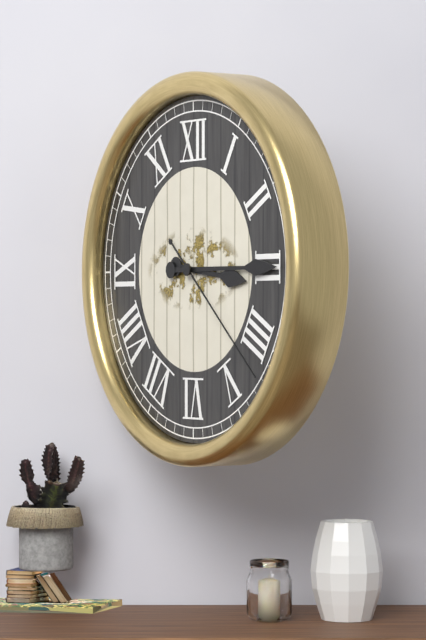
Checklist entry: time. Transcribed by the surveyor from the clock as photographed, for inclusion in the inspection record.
3:15:22
